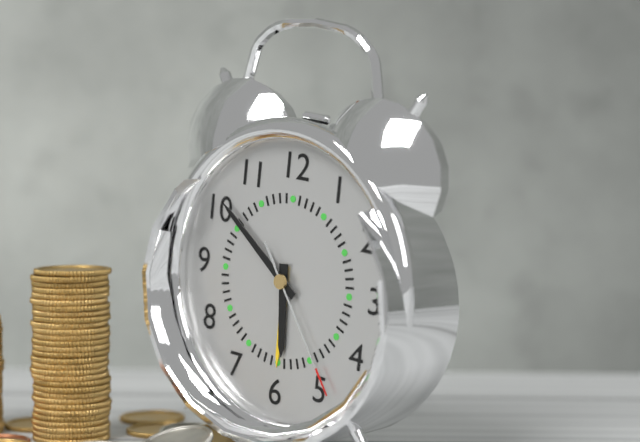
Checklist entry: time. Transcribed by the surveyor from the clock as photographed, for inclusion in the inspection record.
5:51:24
